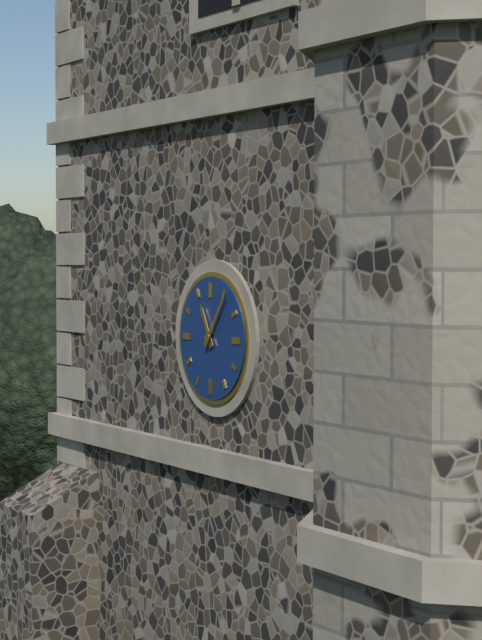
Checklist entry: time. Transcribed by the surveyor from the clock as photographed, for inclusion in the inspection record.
11:06
